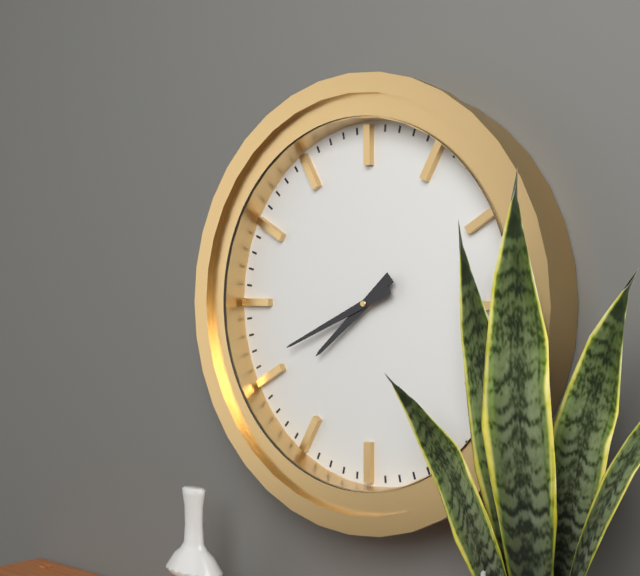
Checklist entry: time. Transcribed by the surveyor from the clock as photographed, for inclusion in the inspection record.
7:41
